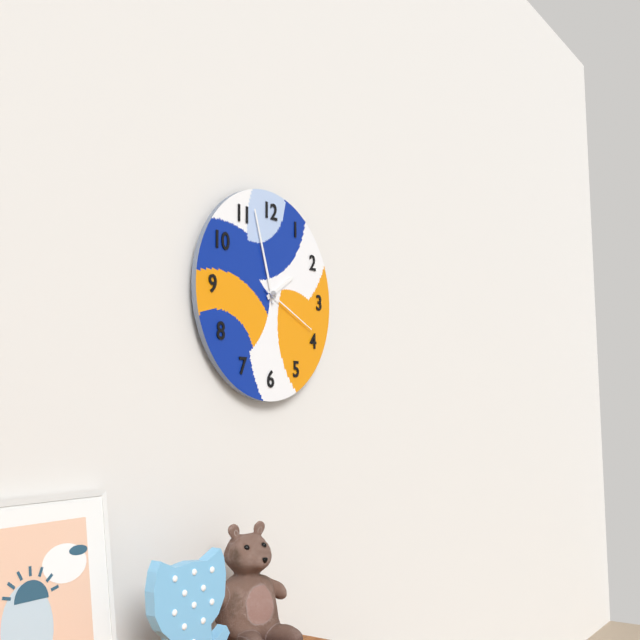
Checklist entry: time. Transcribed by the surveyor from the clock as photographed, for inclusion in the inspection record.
1:57:19
